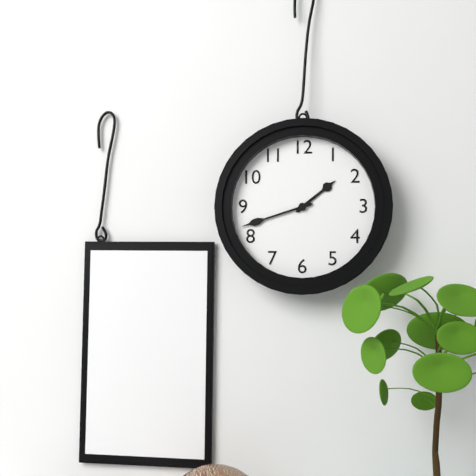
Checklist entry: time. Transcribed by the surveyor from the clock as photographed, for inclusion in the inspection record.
1:42
